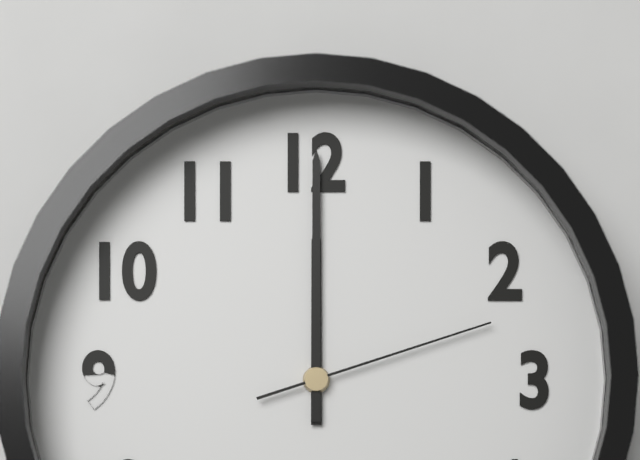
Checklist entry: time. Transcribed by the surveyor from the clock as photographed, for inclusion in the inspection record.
12:00:12
